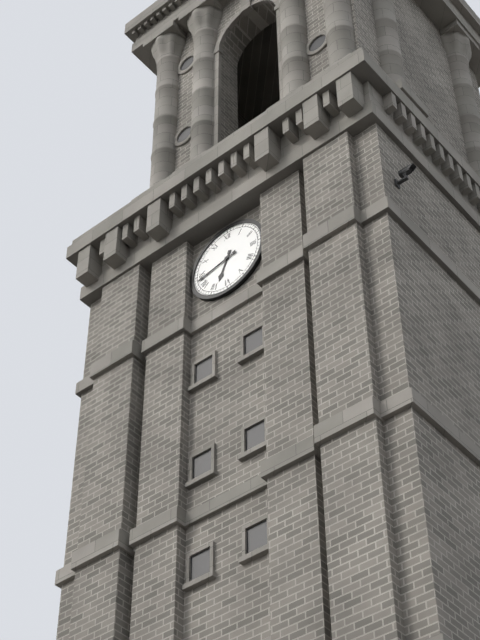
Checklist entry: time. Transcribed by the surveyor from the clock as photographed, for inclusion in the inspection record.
6:43
